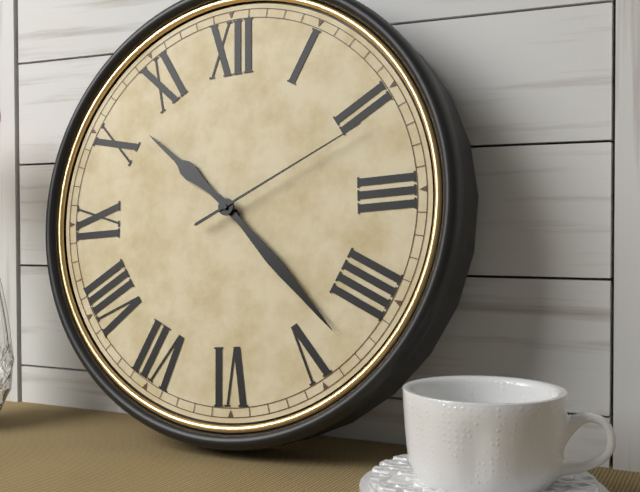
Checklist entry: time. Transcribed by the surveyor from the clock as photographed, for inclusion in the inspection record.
10:23:11
